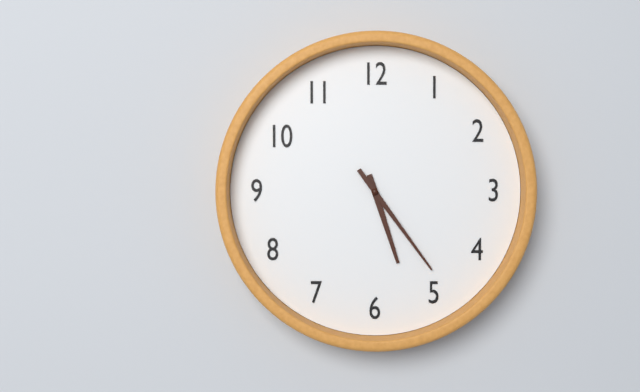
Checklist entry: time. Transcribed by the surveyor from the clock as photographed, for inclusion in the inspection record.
5:24
